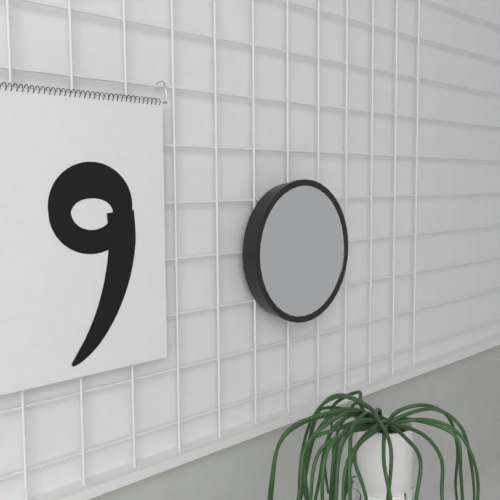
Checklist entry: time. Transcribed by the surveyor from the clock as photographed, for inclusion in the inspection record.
4:28
